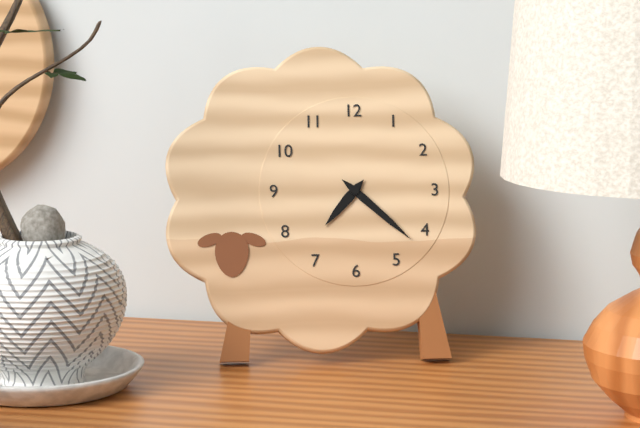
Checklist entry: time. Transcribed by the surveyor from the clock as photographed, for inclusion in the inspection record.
7:22
